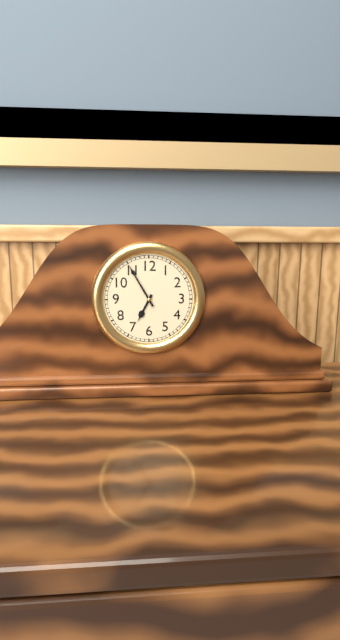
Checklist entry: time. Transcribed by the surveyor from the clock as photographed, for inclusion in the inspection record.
6:55
